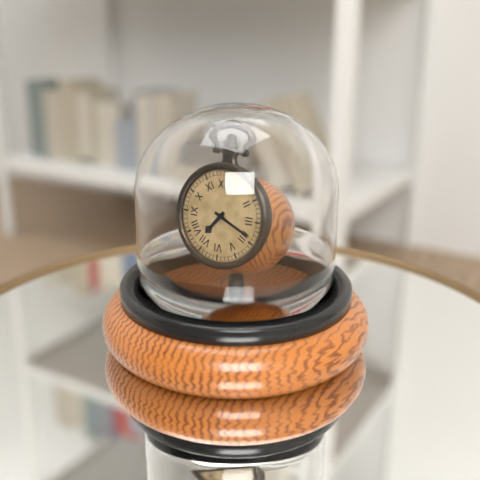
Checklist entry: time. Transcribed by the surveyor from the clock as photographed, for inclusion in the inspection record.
7:19
